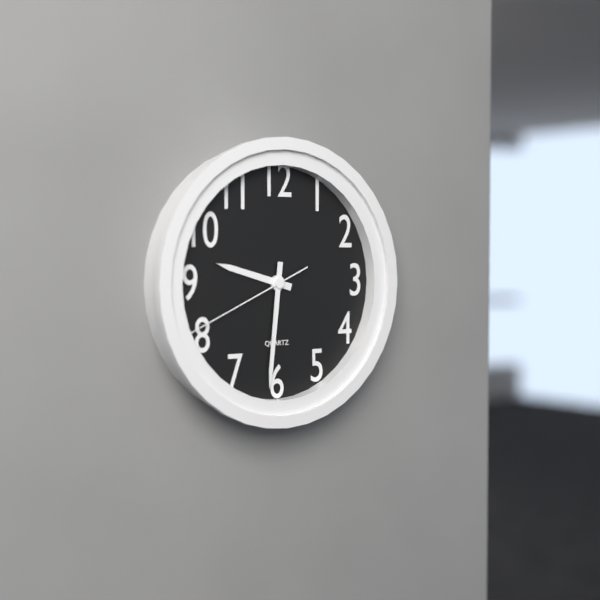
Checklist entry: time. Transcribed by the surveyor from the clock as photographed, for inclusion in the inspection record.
9:31:41
